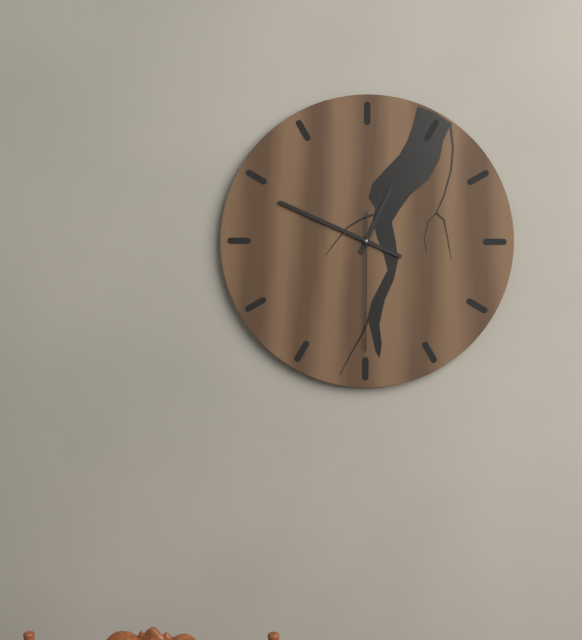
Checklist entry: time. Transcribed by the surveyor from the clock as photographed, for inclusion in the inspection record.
12:49:30
